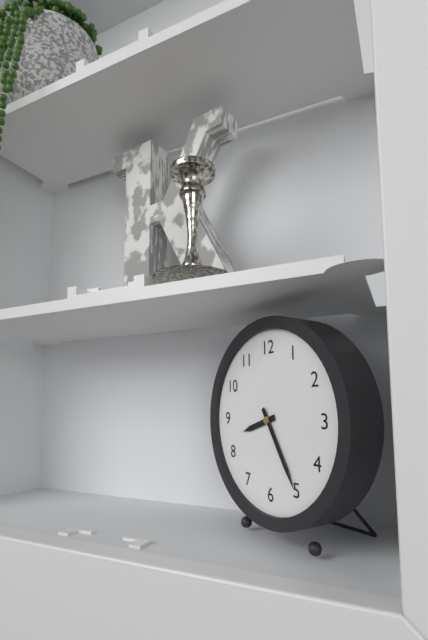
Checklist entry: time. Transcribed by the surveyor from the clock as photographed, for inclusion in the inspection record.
8:25
